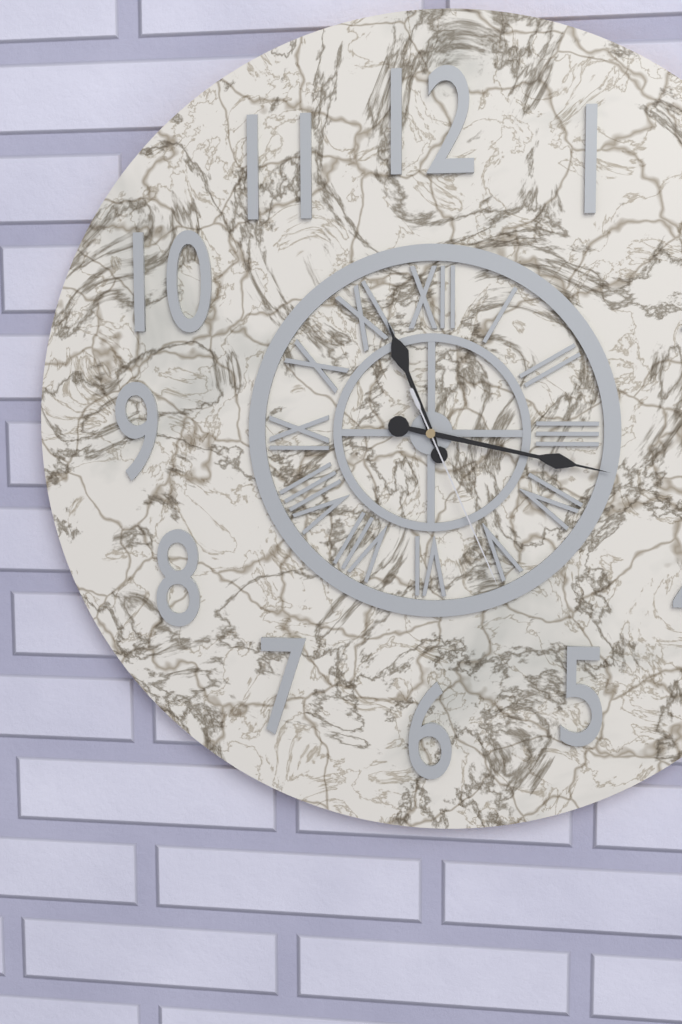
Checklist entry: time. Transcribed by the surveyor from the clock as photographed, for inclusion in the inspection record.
11:17:26
